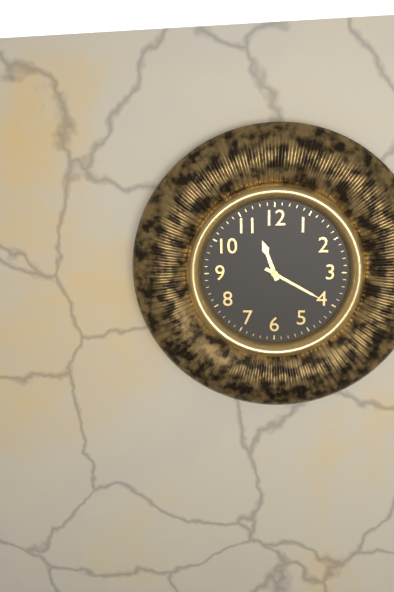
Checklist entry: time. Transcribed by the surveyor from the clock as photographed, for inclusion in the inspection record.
11:20
